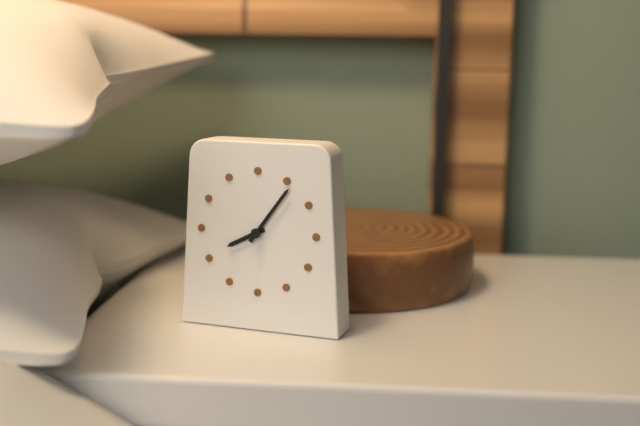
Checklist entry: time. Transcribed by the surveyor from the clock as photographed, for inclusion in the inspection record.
8:06
